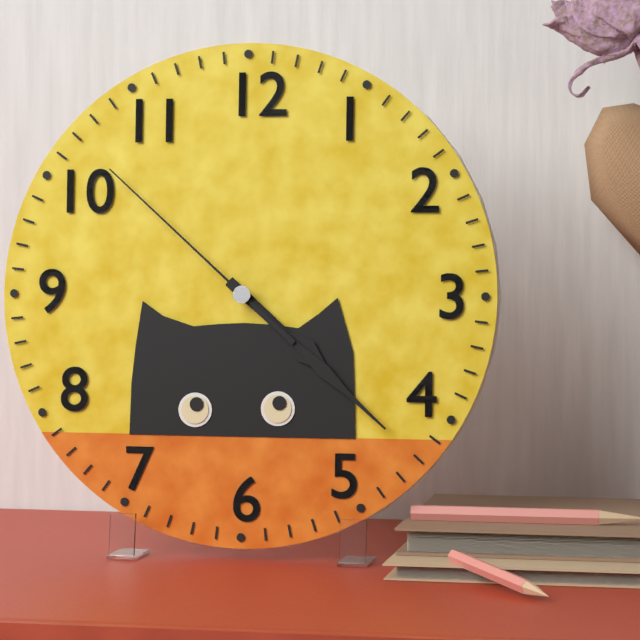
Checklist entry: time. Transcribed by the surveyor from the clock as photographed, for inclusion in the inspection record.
4:22:52
